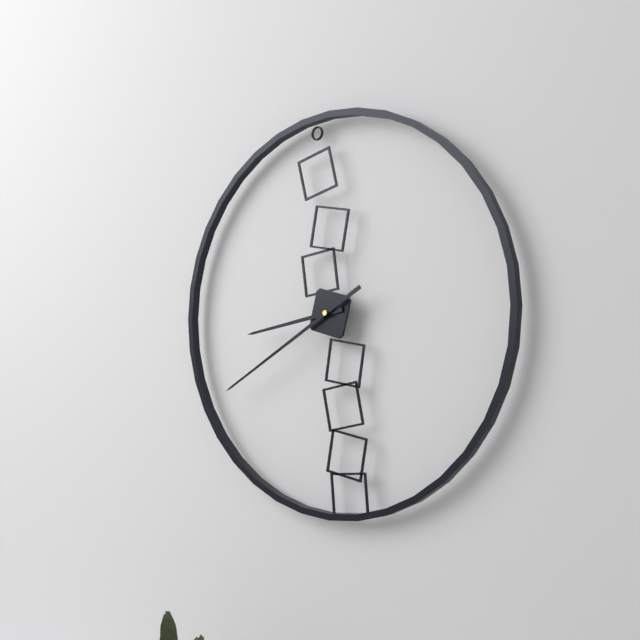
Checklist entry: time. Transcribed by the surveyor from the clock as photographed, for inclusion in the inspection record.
8:40
